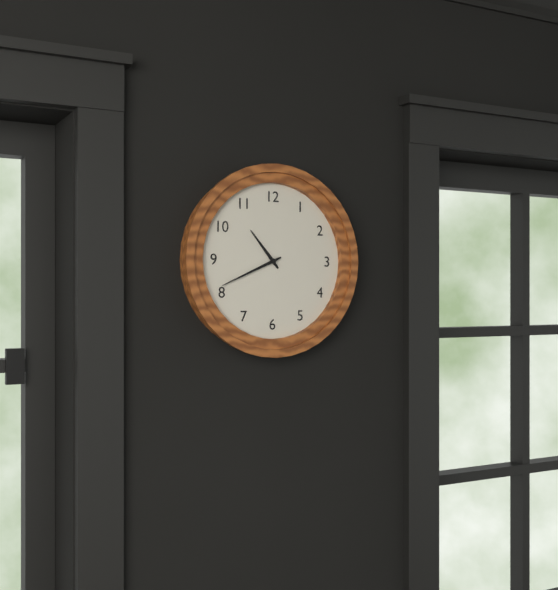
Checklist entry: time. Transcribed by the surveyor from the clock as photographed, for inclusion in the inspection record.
10:41
